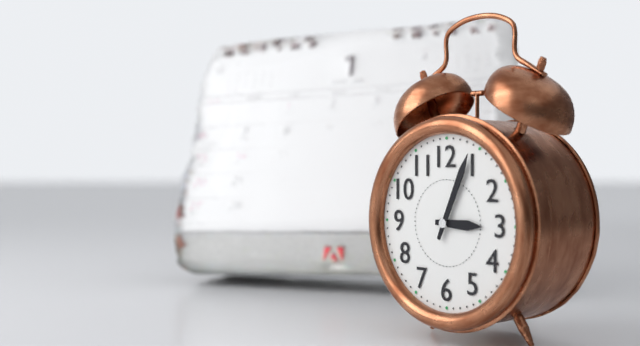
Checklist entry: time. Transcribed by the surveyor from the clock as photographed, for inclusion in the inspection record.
3:04
